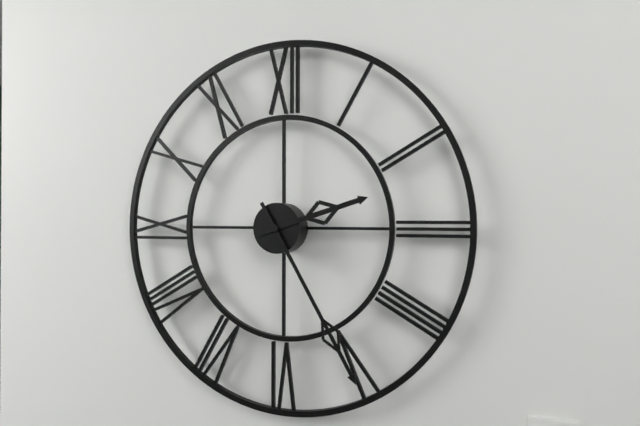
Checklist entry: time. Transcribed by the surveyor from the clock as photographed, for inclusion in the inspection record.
2:25
